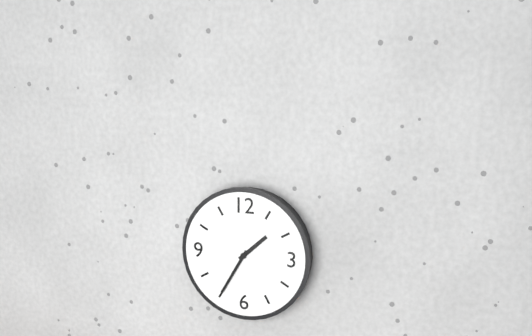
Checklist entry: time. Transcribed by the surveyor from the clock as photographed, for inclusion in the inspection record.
1:35
